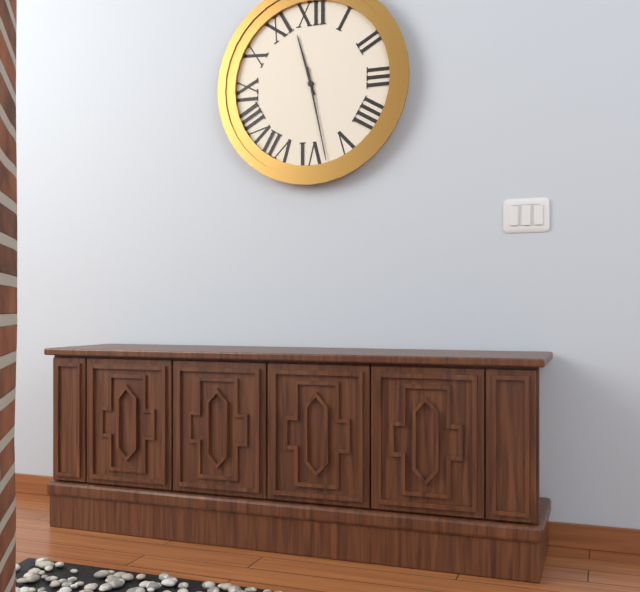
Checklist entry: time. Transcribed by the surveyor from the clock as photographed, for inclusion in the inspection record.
11:28
